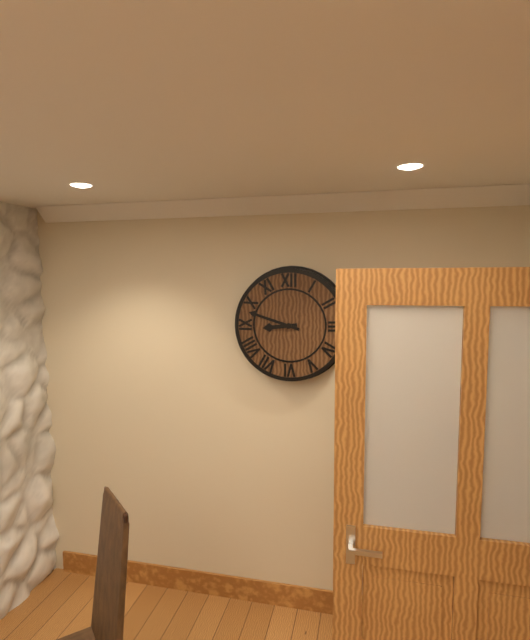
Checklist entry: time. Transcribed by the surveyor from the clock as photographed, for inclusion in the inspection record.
8:48
